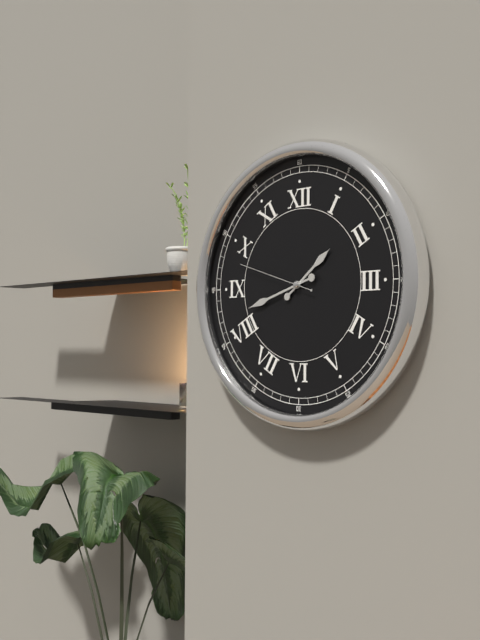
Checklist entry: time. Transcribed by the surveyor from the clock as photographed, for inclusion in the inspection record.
1:42:48
